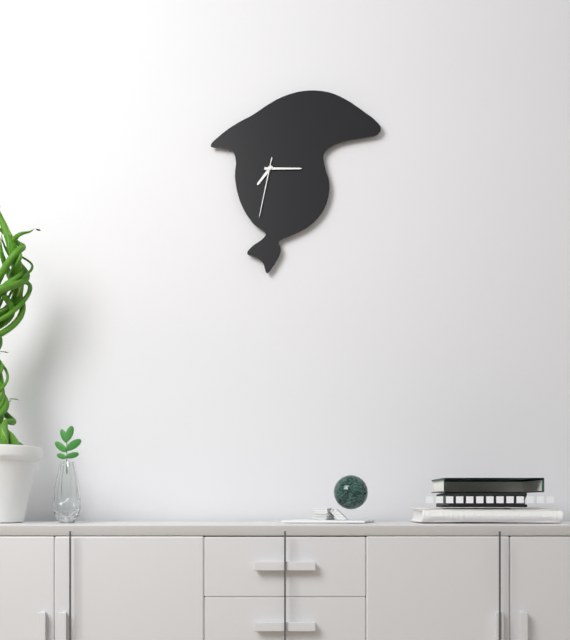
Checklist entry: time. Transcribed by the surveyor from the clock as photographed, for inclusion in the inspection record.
7:15:32
